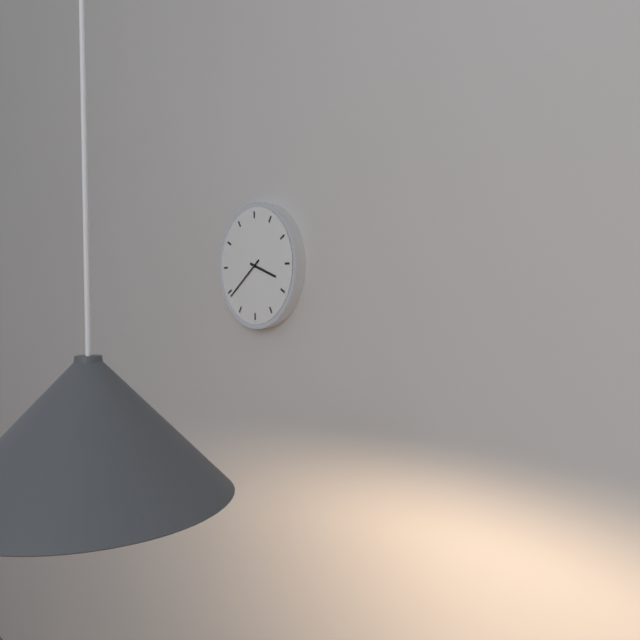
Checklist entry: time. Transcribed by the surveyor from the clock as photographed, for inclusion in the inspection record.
3:39
